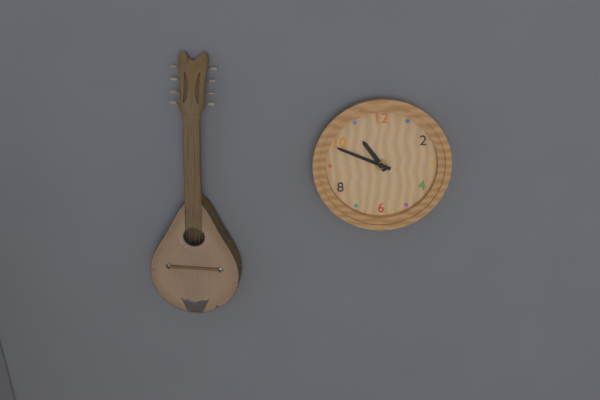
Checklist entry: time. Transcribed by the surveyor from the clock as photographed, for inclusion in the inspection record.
10:49
